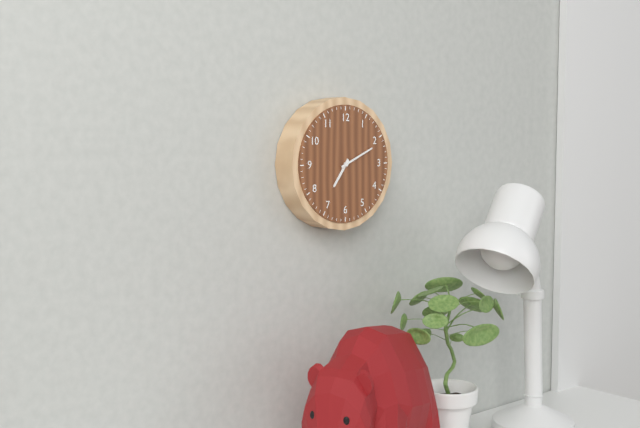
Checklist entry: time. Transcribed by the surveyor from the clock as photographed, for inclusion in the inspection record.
7:11
